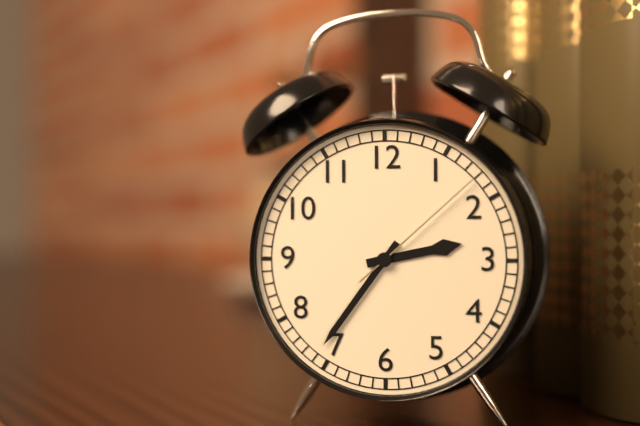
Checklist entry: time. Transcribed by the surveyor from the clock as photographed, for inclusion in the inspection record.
2:36:08
